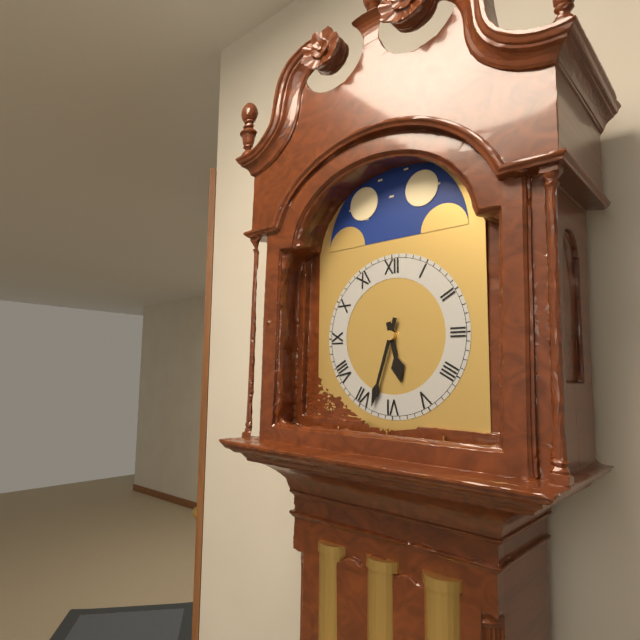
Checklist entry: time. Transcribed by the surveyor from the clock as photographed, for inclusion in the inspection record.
5:33
